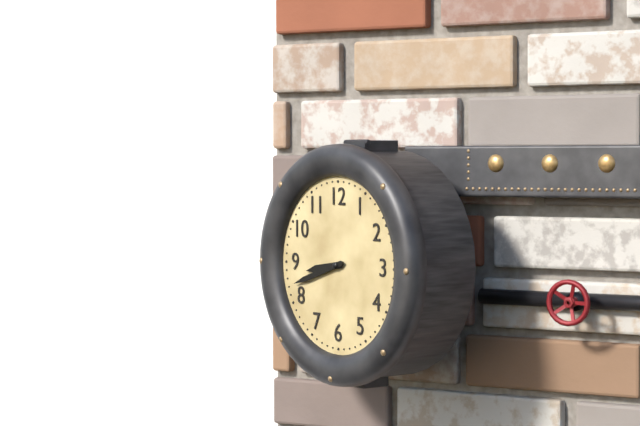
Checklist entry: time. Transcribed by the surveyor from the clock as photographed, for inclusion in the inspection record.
8:42
